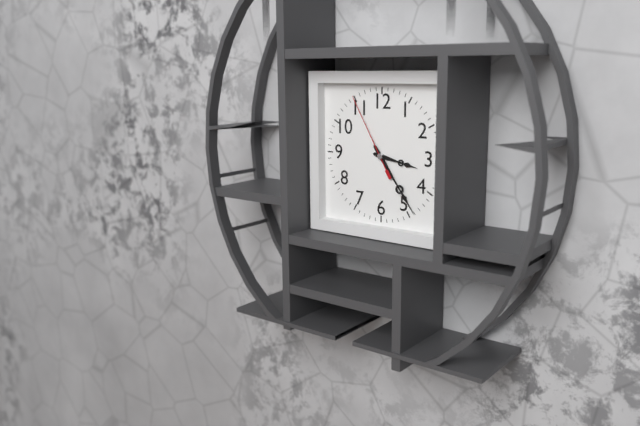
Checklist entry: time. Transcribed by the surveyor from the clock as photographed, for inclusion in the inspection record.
3:24:55
